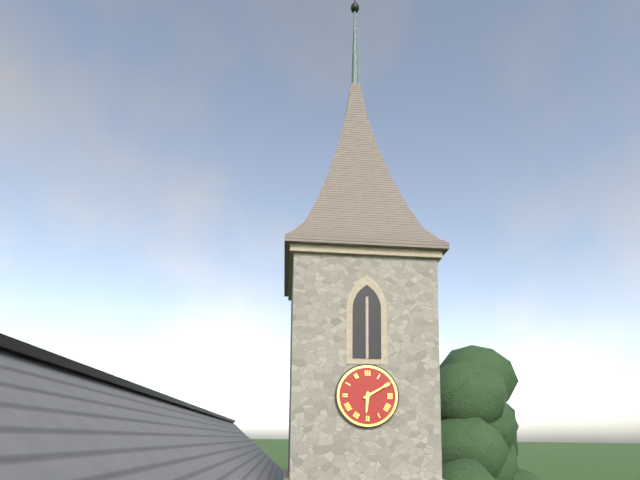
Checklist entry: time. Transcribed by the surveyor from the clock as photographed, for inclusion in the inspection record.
6:10
